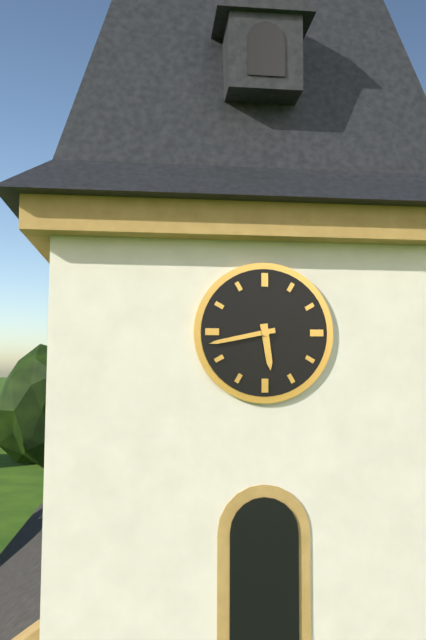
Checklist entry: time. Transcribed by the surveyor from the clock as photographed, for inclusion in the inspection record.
5:43
